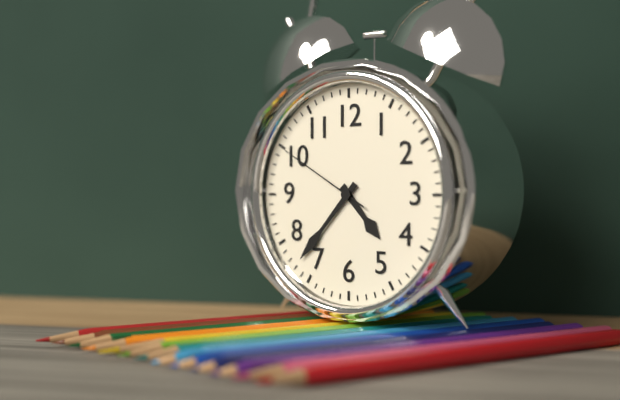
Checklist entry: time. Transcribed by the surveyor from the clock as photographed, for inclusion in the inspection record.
4:37:50
